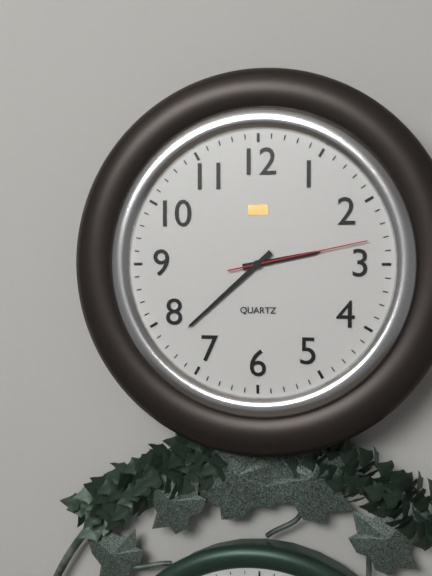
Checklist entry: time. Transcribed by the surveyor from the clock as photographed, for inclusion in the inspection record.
2:38:13
